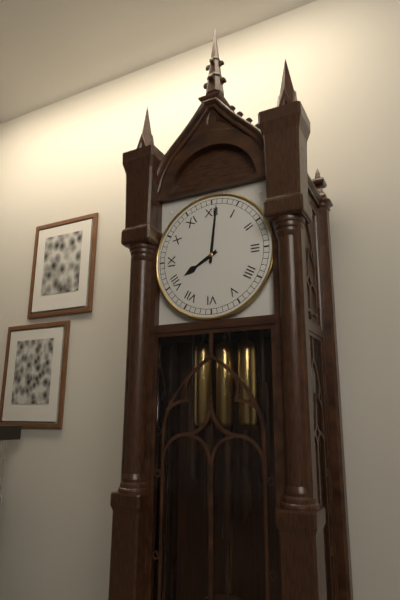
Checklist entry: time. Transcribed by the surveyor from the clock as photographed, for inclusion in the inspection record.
8:01
